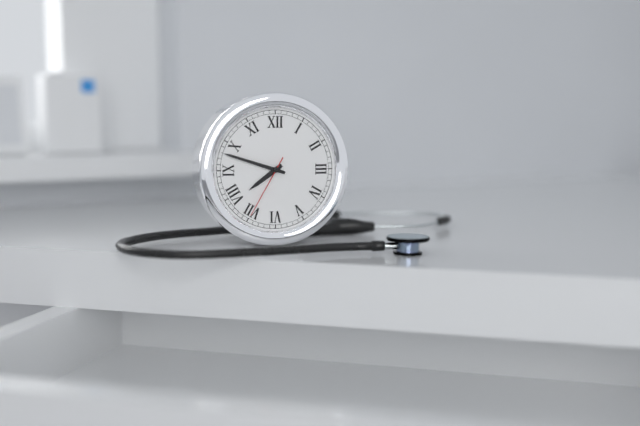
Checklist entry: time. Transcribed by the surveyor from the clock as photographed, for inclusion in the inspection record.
7:48:35
